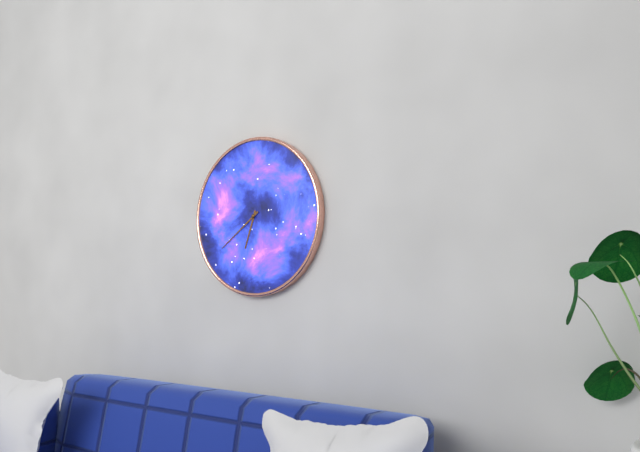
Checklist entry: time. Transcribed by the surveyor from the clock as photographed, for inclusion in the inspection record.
6:39
